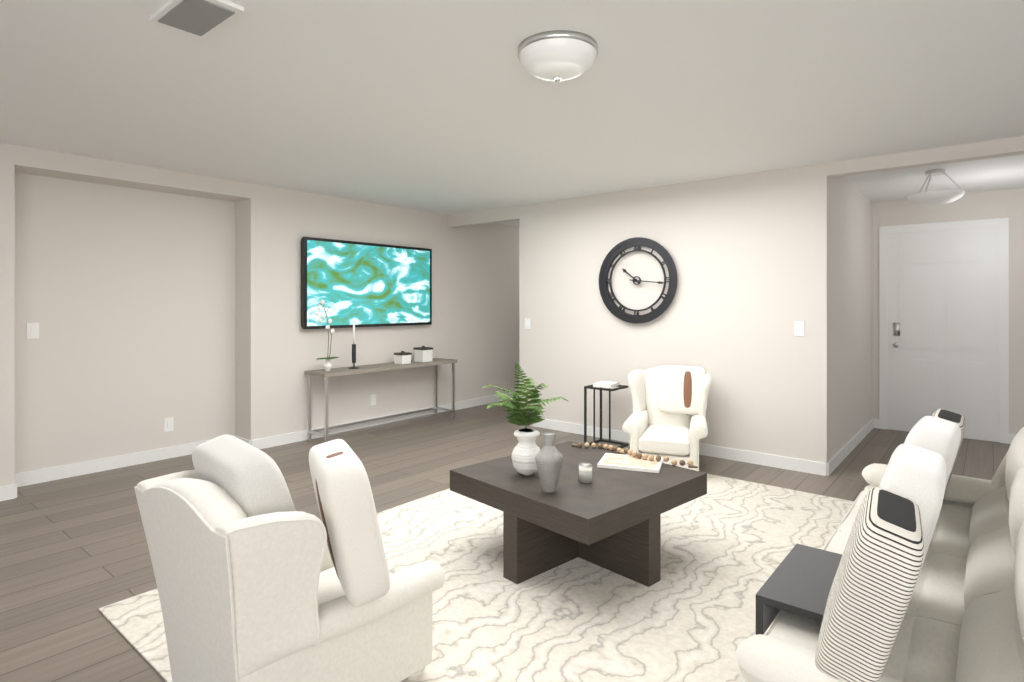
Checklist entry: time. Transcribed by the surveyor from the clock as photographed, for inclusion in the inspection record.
10:16
